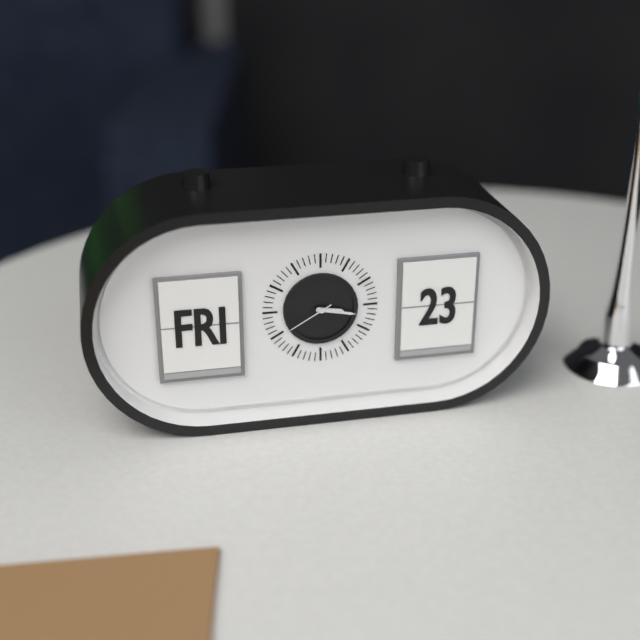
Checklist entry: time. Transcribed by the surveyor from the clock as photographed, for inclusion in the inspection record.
3:17:40
